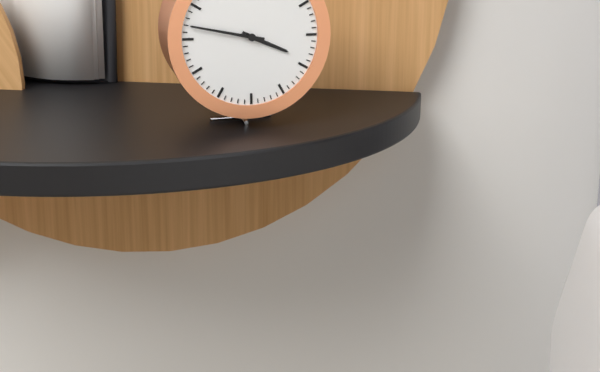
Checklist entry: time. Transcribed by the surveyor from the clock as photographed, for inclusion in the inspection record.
3:47
